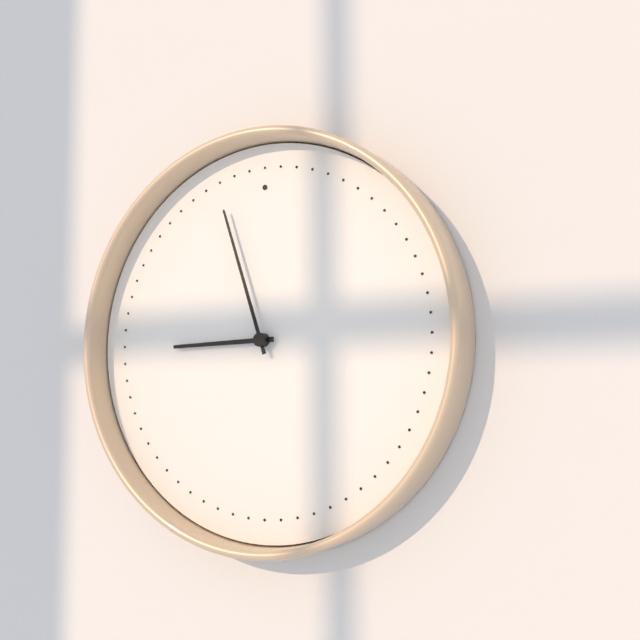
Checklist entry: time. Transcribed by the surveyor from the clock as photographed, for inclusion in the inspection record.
8:57
